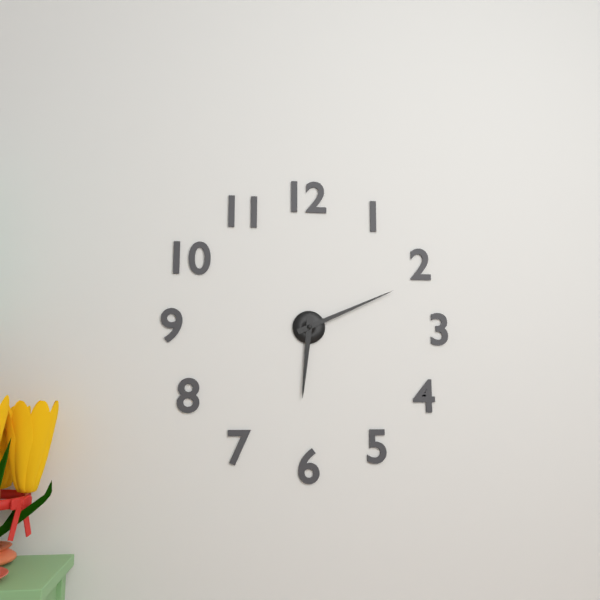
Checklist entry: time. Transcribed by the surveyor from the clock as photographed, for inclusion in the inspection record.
6:11
